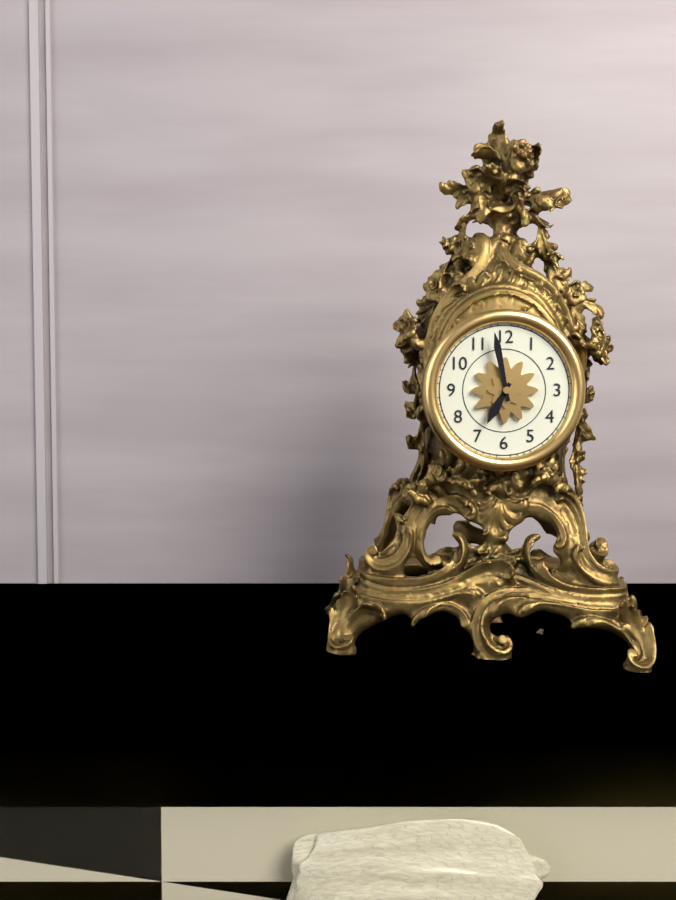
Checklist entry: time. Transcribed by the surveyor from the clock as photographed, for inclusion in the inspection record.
6:58
